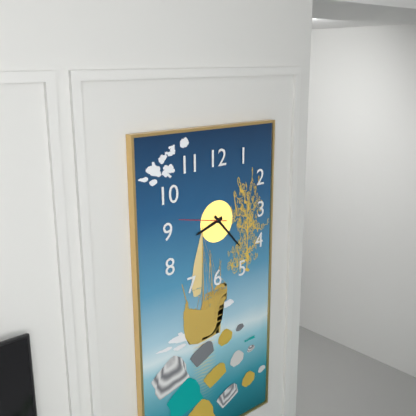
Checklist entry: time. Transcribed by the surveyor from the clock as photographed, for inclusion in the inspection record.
8:23
